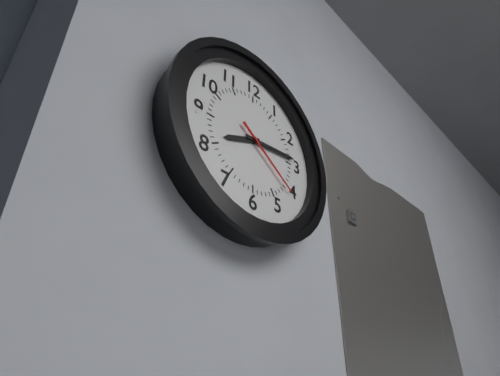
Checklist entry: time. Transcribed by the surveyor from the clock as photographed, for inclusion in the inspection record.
8:14:21
